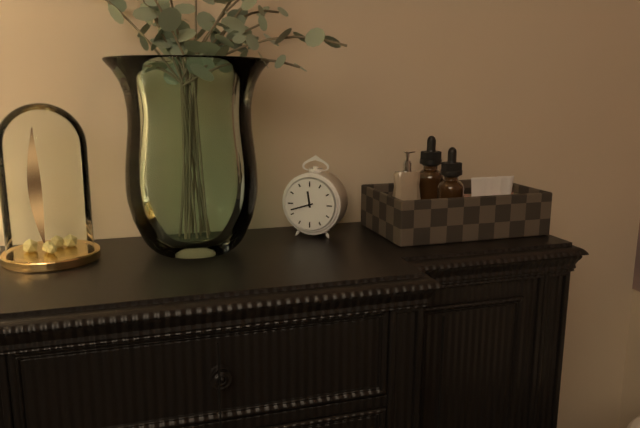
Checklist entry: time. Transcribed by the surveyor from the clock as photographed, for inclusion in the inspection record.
11:42
